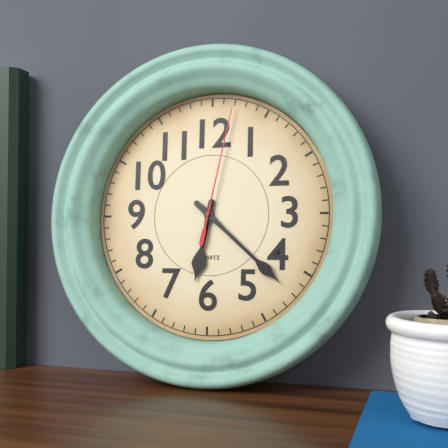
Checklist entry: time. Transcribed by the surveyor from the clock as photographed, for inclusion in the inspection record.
6:22:02
